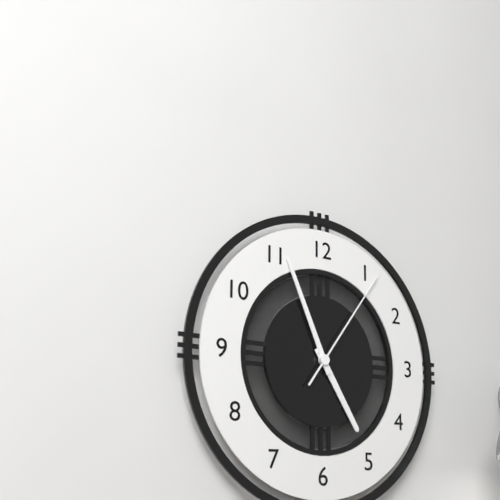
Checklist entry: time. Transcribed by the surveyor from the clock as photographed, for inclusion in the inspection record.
4:56:06
